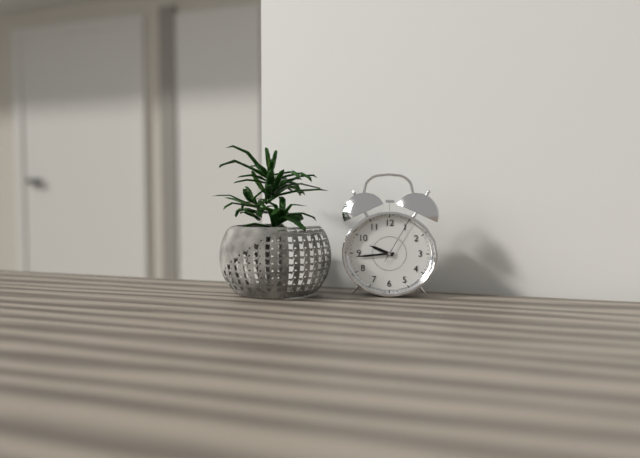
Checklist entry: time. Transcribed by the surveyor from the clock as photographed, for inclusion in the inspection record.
9:44
